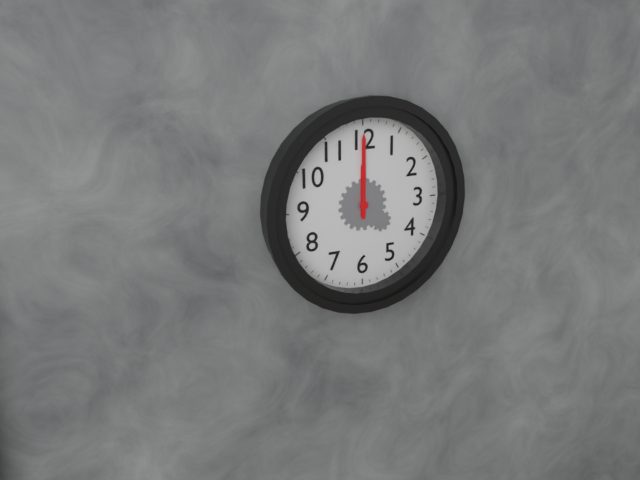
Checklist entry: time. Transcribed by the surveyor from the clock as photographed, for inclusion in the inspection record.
12:00
